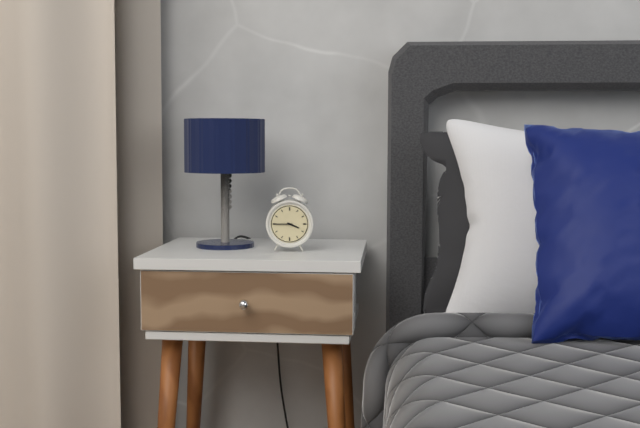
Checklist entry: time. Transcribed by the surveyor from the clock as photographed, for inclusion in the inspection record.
3:45
